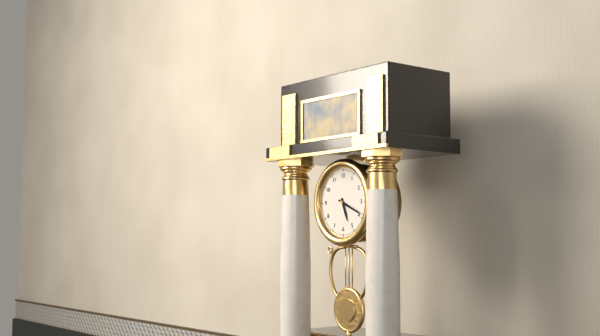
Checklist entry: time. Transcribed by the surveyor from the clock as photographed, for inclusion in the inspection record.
5:19
